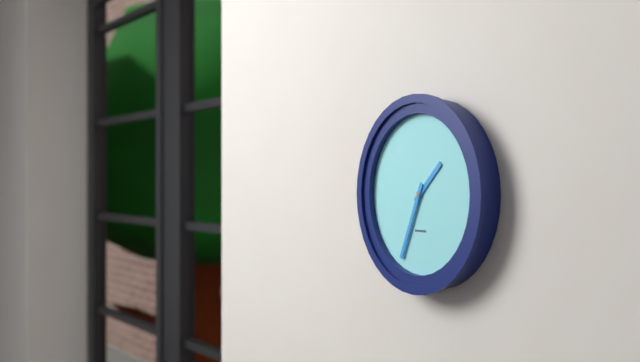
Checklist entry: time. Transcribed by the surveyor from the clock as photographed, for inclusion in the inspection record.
1:34
